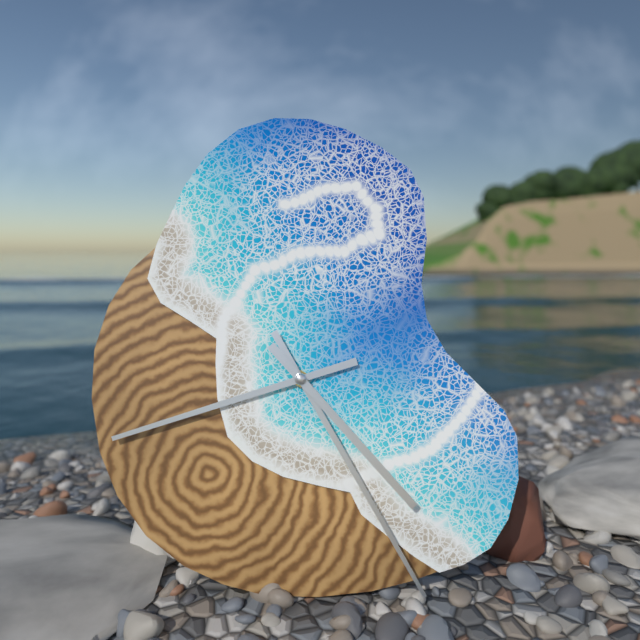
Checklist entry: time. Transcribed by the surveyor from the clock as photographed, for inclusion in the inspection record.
8:25:23
